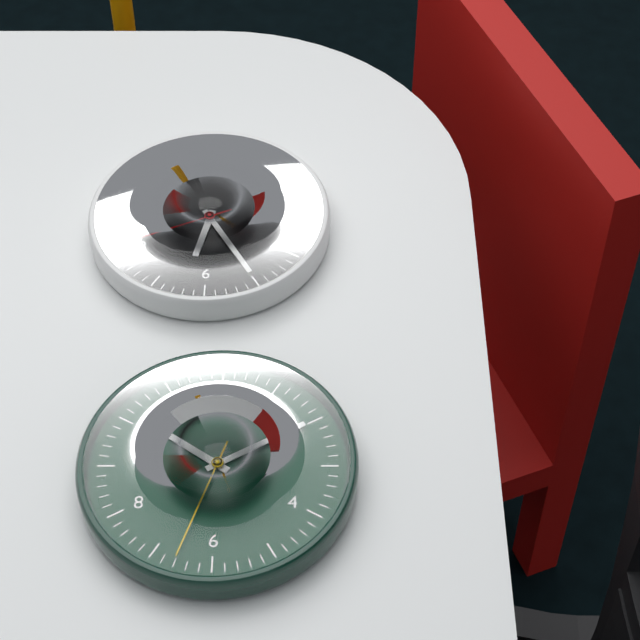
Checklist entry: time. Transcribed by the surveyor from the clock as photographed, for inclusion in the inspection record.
6:25:41
